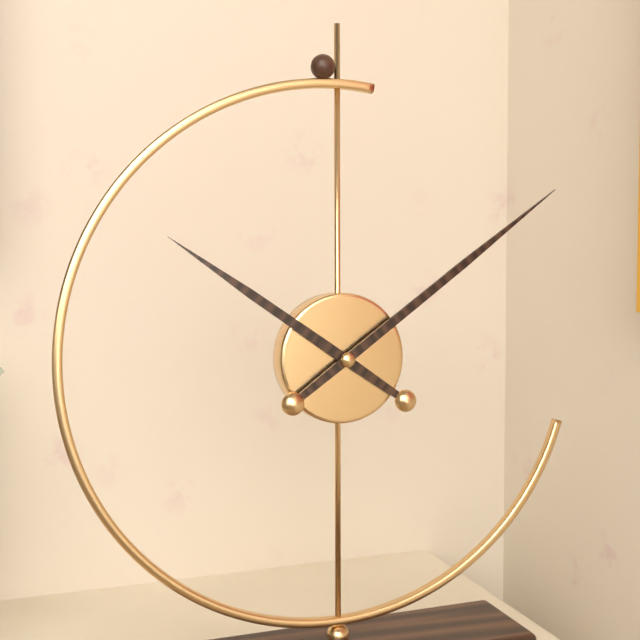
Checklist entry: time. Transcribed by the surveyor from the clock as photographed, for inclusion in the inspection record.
10:09
